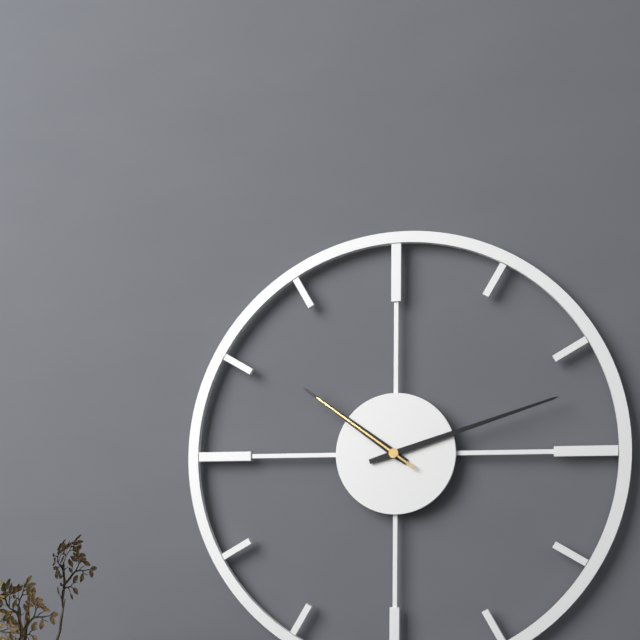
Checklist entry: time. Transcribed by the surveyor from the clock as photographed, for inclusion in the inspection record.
10:12:51
